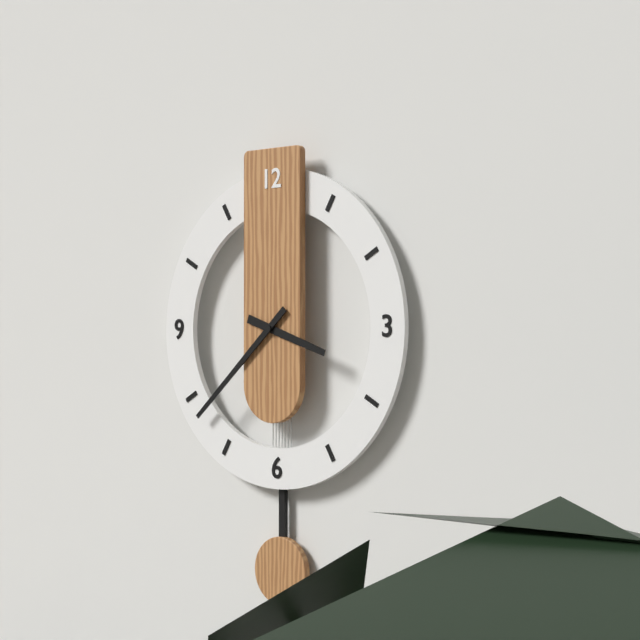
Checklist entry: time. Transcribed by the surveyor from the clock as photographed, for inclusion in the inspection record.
3:38
